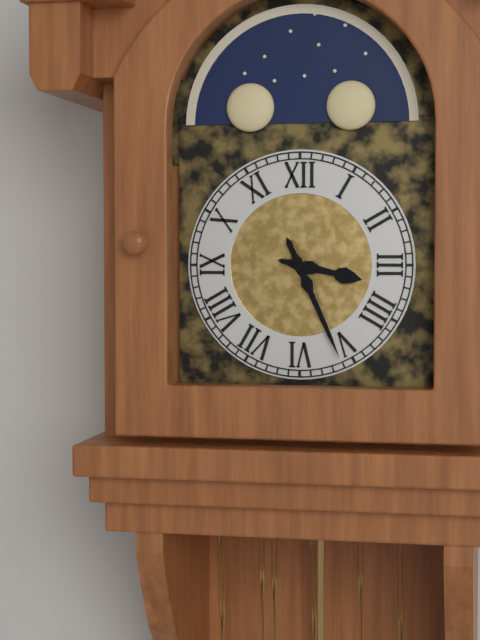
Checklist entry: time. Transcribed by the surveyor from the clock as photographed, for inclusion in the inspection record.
3:26
